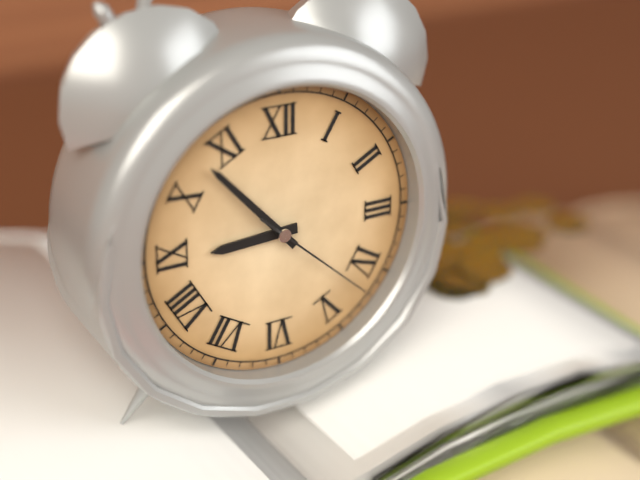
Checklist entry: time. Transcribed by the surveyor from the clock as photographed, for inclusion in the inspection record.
8:53:22
